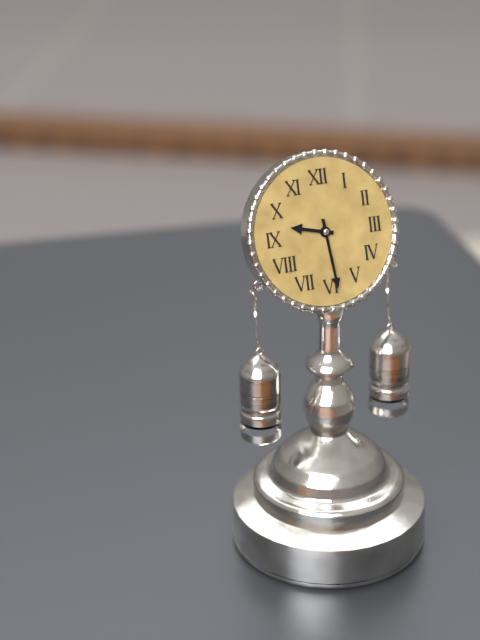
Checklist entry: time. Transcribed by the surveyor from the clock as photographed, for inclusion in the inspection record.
9:29
